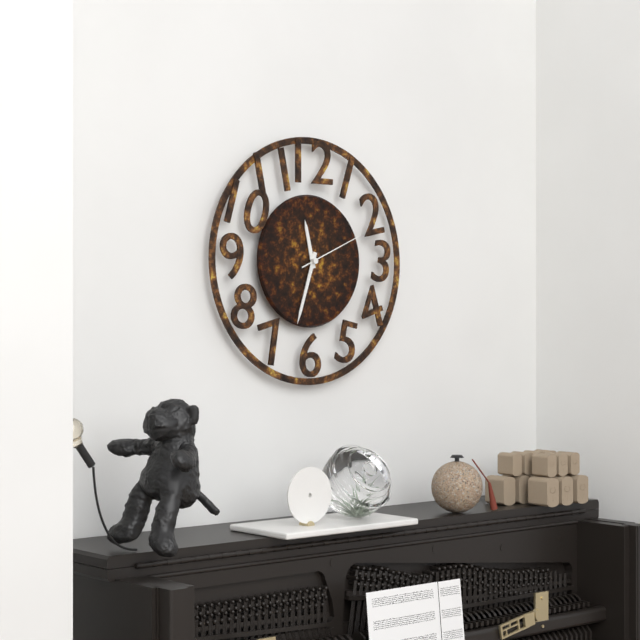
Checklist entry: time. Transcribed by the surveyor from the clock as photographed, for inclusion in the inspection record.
11:33:11
